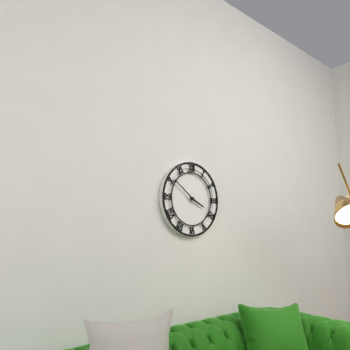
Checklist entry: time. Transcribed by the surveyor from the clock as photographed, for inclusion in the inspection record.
3:51
